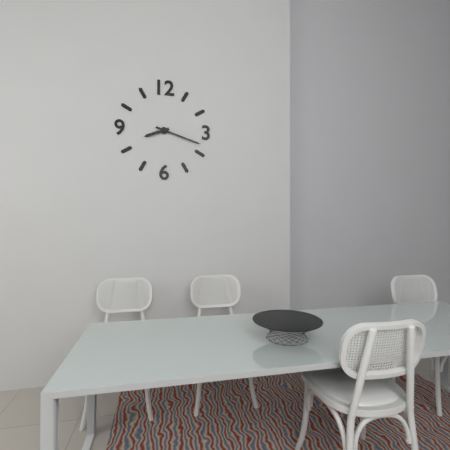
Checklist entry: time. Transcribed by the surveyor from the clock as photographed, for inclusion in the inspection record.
8:18
